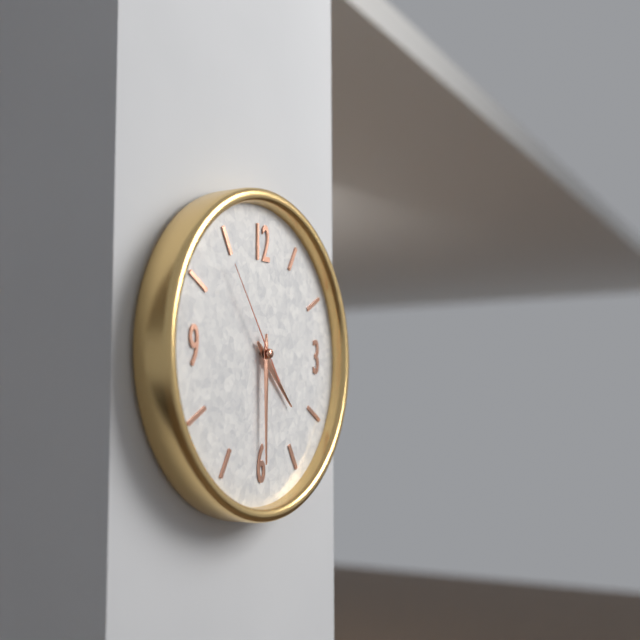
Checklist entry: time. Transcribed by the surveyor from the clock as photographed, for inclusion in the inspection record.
4:30:54
